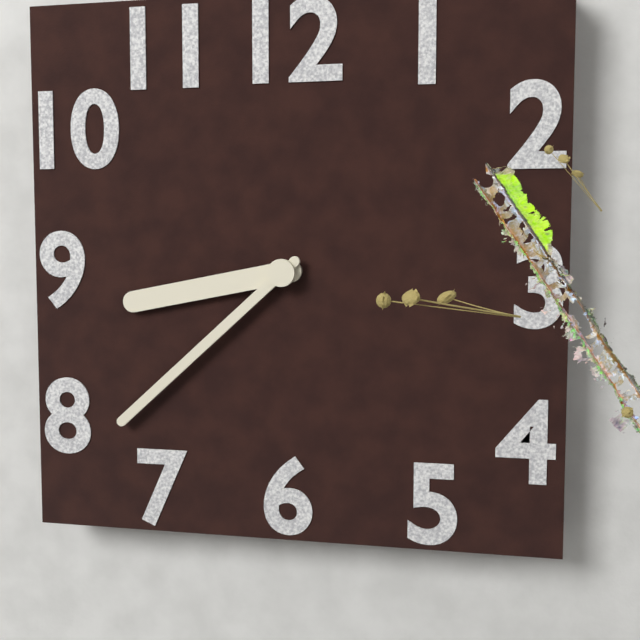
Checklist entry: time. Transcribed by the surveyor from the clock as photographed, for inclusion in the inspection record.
8:38
